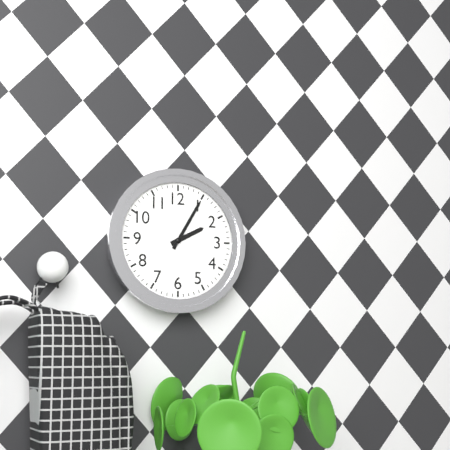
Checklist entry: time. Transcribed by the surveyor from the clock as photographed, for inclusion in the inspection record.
2:05
